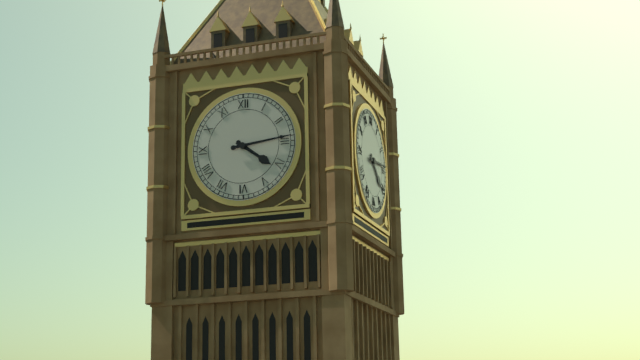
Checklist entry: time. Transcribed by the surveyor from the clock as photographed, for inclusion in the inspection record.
4:14
